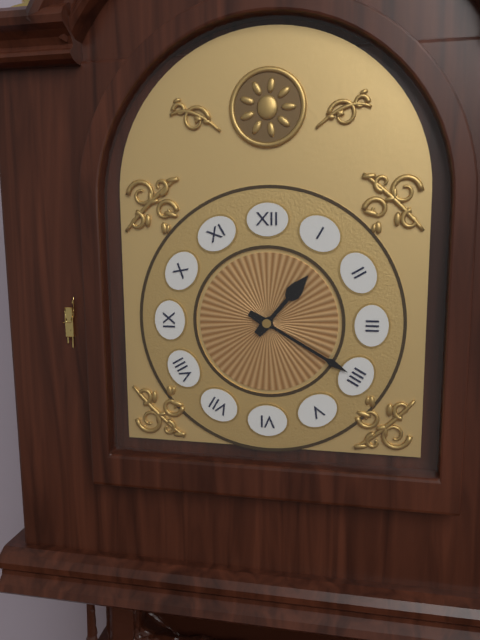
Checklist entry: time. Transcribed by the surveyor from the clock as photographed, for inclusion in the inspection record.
1:20
